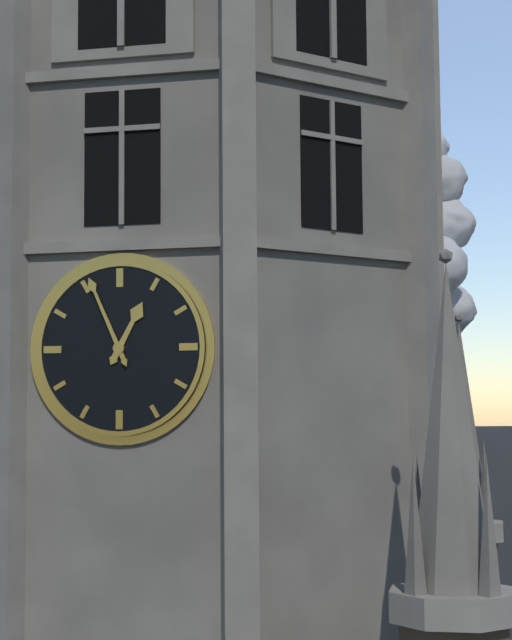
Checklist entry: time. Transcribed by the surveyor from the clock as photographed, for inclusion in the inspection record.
12:56
